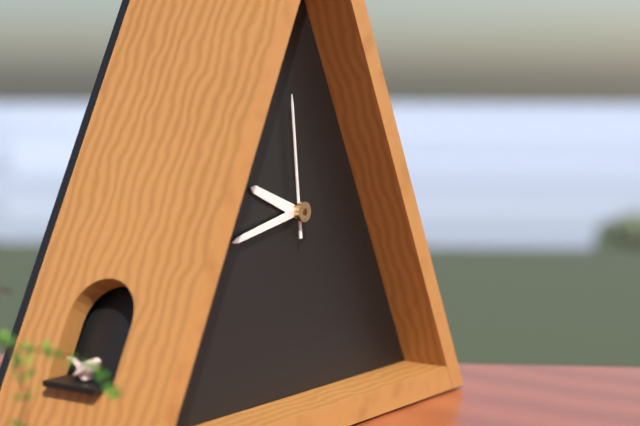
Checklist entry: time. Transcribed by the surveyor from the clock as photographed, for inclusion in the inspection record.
9:43:59
